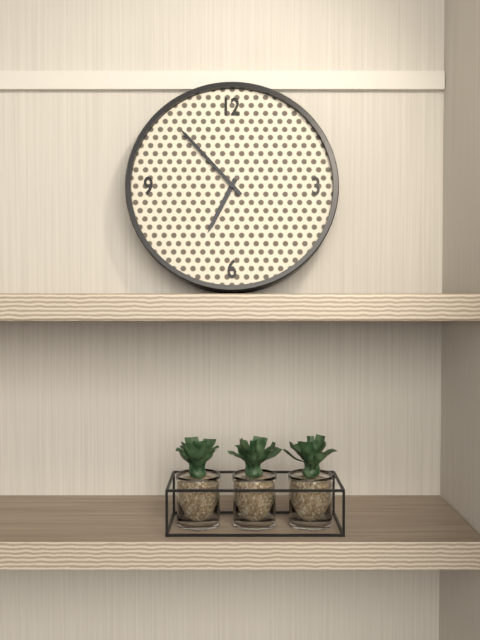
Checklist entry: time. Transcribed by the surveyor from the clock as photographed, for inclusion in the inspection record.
6:53
